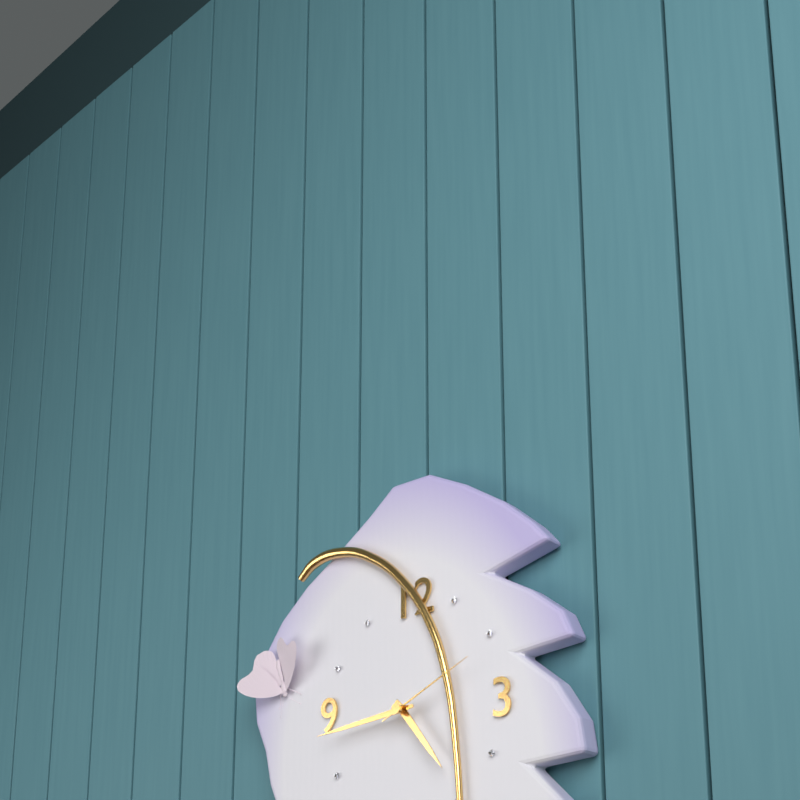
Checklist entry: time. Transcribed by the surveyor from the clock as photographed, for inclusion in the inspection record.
4:44:11
